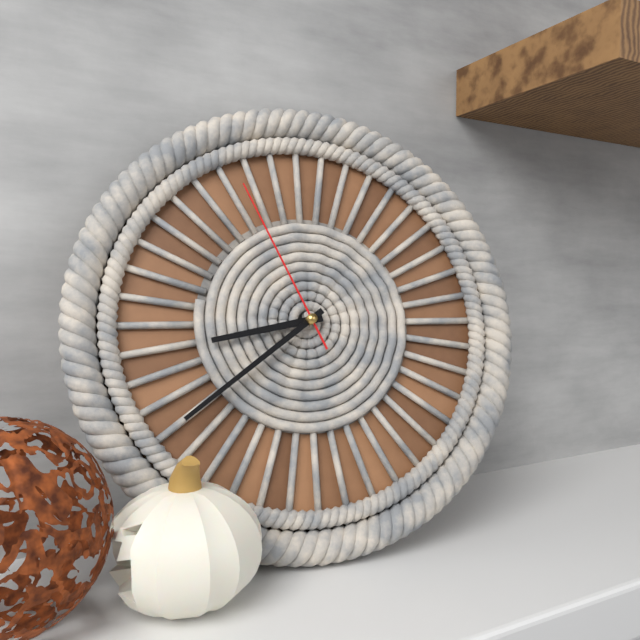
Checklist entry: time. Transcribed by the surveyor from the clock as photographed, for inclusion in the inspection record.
8:39:56
